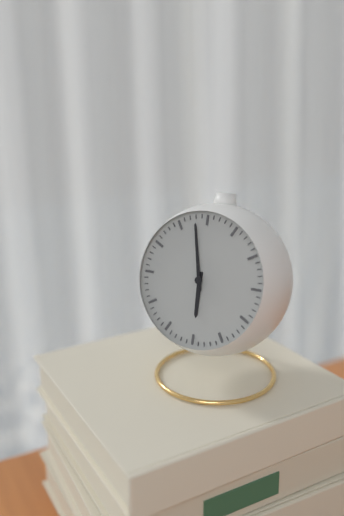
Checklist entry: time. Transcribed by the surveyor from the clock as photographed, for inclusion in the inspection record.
5:58
